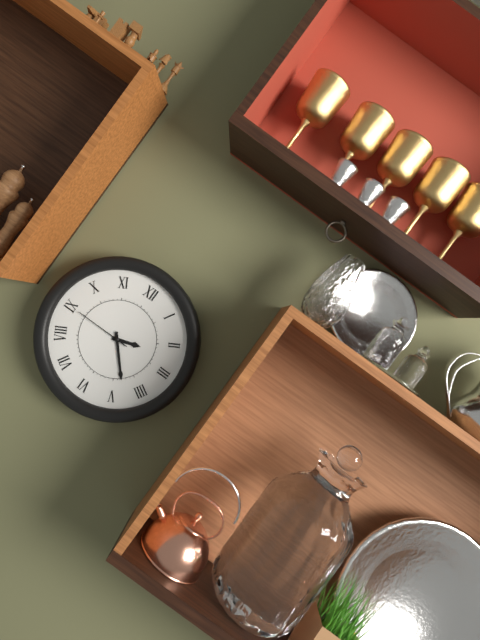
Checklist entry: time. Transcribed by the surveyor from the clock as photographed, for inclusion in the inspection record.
2:23:45
